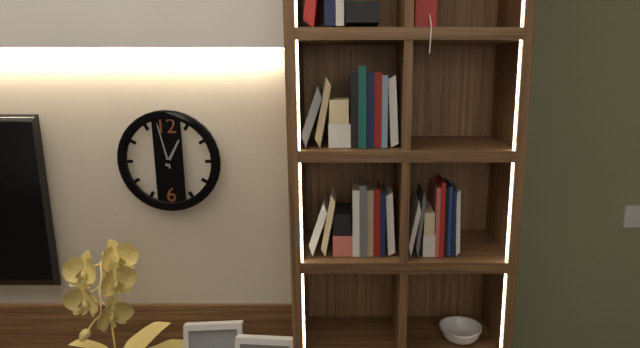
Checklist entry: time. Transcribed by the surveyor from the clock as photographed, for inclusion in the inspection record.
12:58
